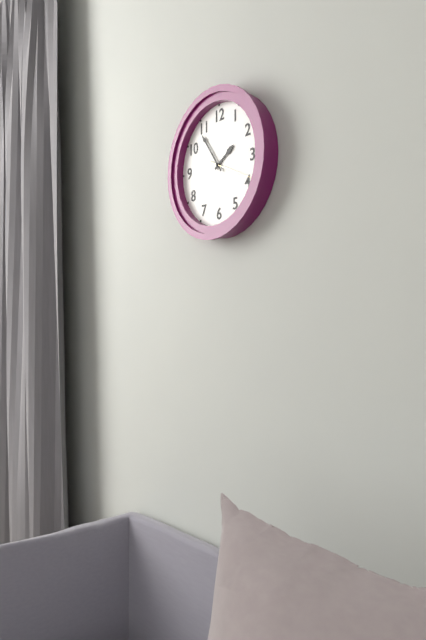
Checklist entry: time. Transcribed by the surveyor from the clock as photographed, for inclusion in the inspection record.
1:54
